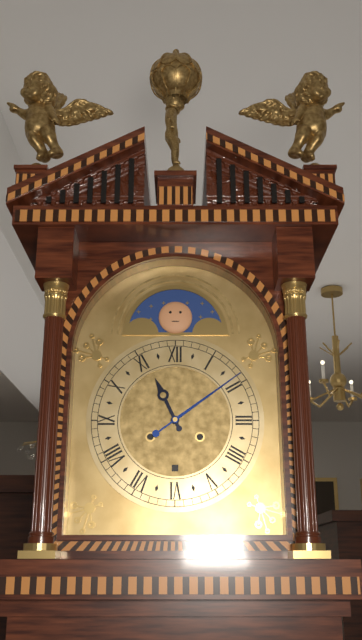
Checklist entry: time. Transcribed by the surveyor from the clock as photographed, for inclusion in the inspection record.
11:09
